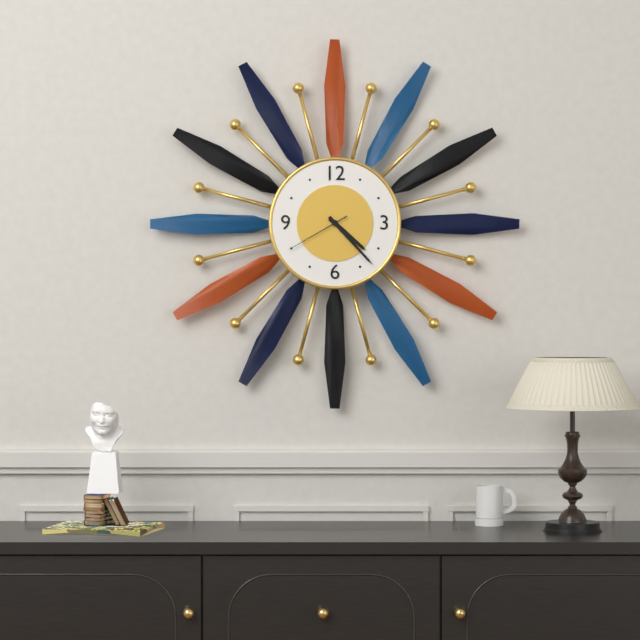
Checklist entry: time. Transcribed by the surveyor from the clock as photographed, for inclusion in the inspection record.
4:23:40
